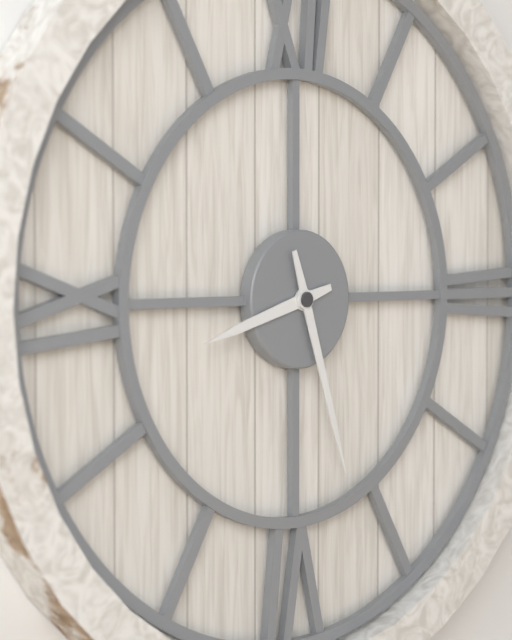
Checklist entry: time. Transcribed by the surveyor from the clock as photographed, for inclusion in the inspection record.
8:27
